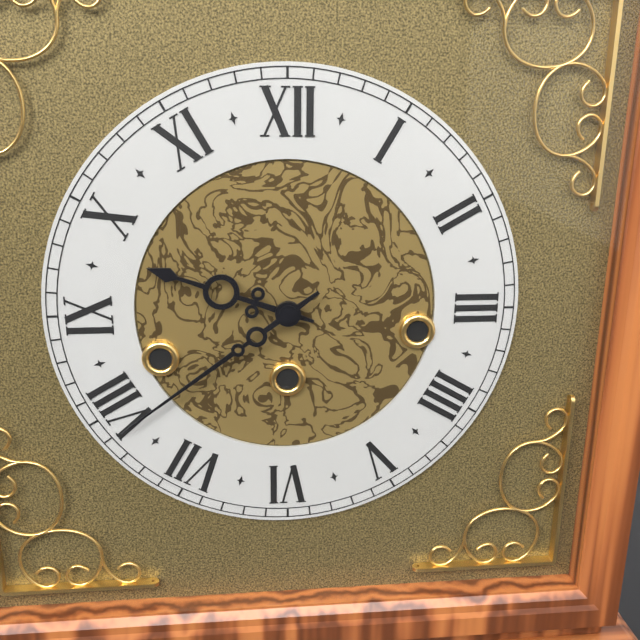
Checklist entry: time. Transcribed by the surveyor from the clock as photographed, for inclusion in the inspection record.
9:39
